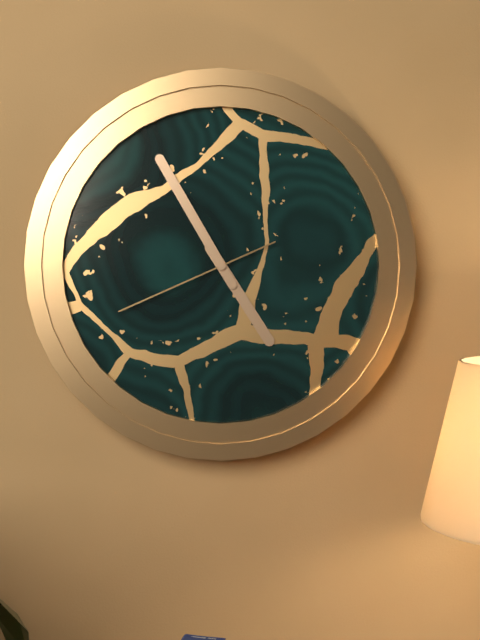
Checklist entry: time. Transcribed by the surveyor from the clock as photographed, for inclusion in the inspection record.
4:55:41
